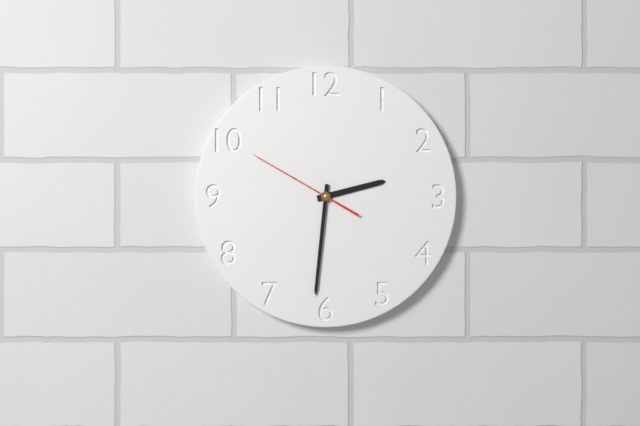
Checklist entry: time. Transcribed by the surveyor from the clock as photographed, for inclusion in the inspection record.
2:31:50
